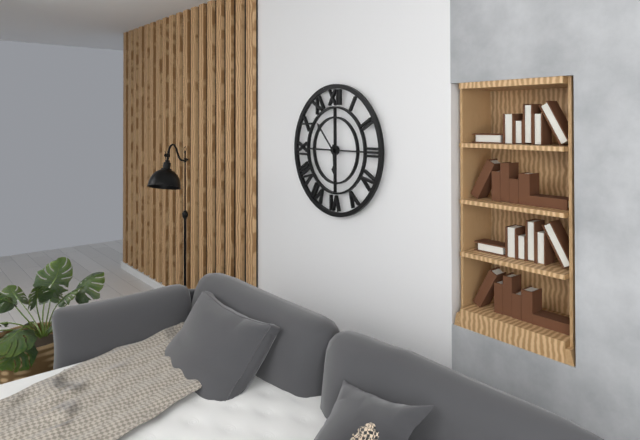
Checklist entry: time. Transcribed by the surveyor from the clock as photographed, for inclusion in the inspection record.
5:53
